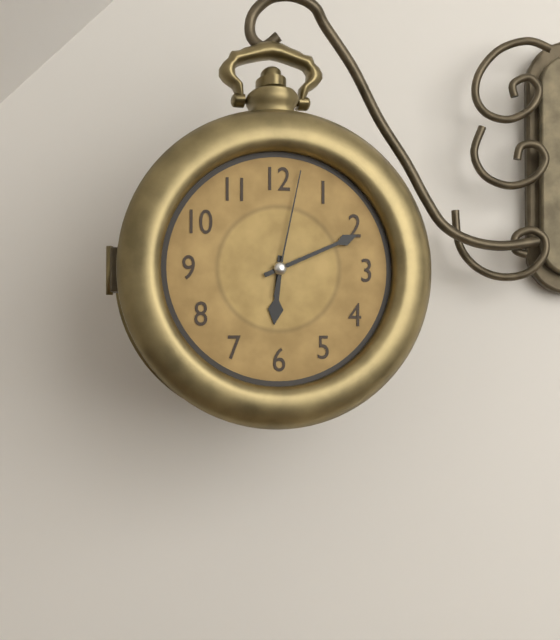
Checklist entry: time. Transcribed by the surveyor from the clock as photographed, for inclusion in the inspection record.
6:11:02
